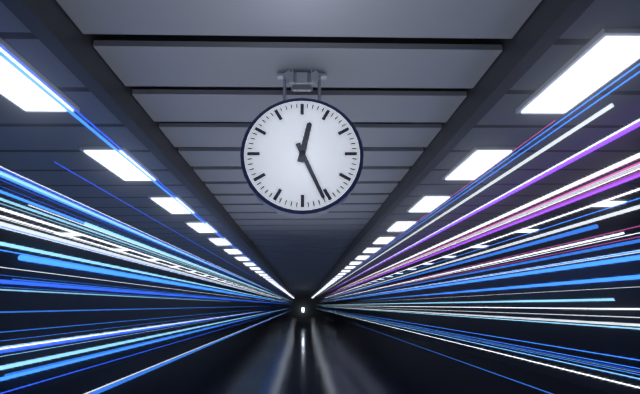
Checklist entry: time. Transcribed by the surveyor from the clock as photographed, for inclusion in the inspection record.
12:26
